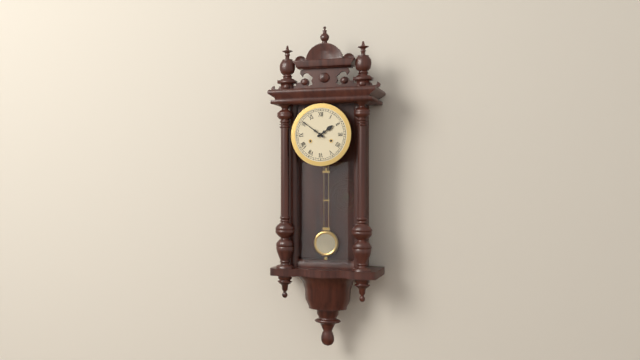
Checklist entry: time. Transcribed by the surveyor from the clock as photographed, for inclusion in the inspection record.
1:51
